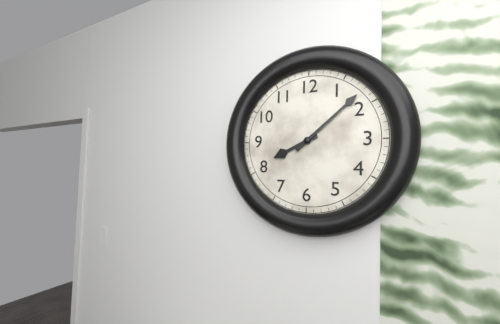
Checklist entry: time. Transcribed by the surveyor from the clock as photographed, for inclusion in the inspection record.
8:08
